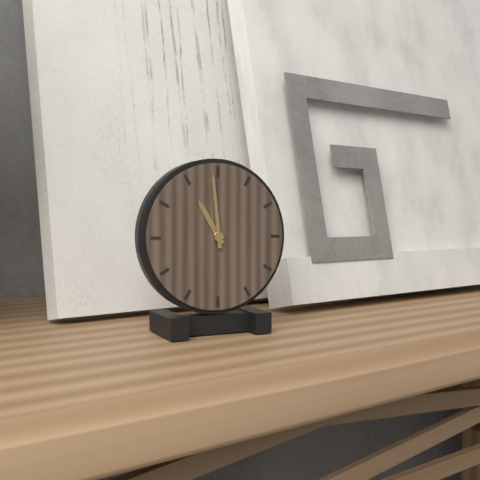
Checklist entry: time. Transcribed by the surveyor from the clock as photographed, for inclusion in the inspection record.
10:59
